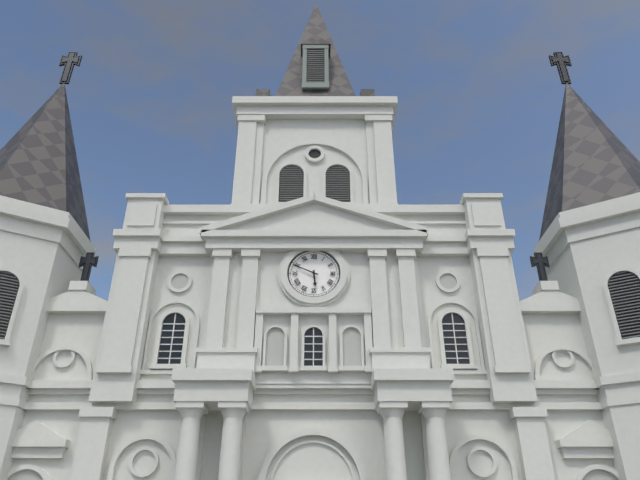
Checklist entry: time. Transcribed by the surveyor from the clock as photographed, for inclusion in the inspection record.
5:49
